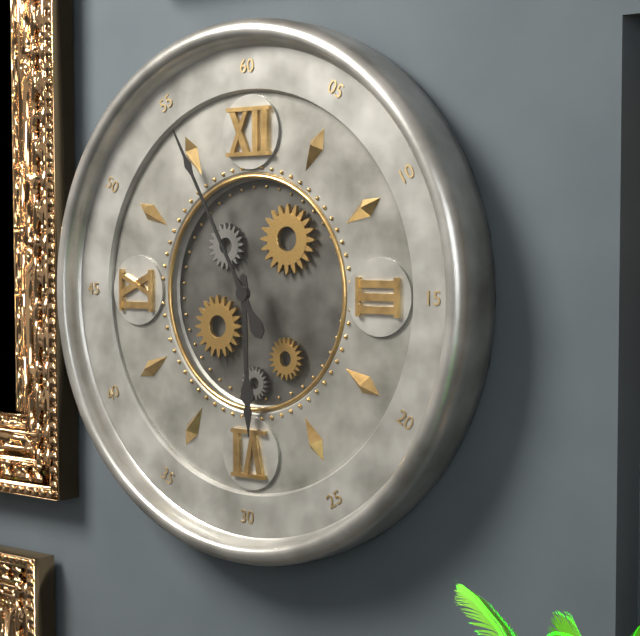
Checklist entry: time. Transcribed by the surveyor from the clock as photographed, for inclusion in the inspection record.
5:55
